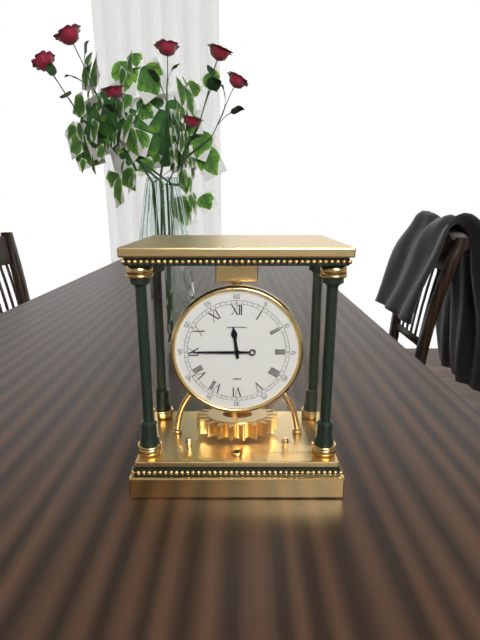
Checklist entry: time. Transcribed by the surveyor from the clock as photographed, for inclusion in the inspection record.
11:45
